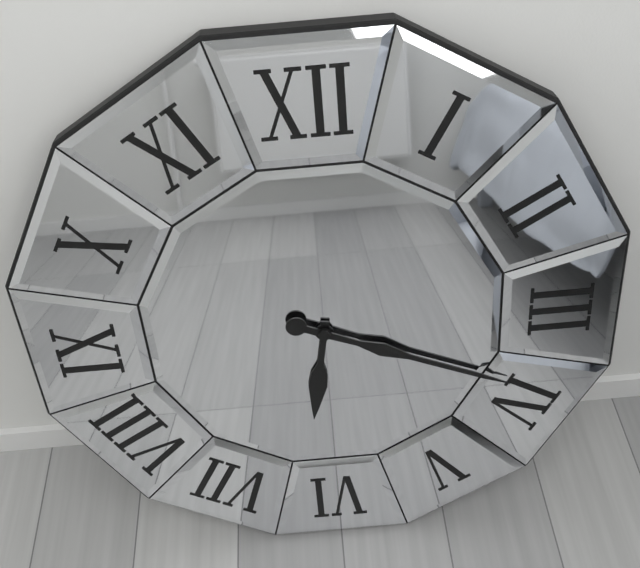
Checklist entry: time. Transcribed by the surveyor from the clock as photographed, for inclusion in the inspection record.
6:19
